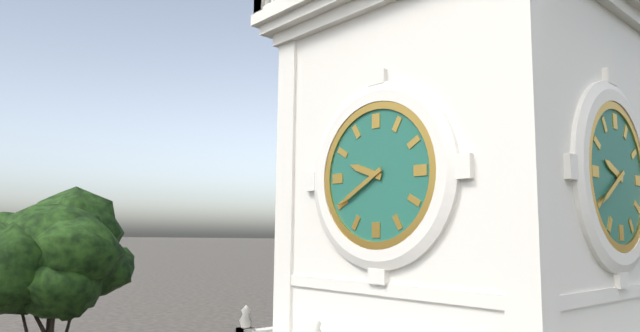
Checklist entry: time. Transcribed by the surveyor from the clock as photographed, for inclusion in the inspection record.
9:40
